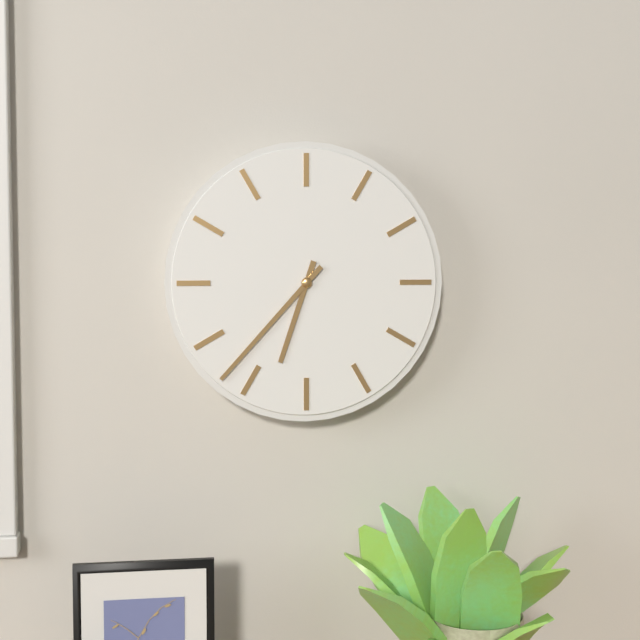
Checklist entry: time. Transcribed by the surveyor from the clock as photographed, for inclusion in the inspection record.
6:37
